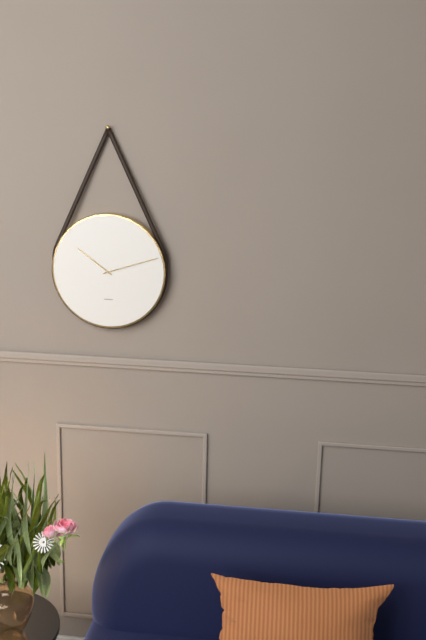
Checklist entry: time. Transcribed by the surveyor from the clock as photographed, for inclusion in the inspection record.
10:12
